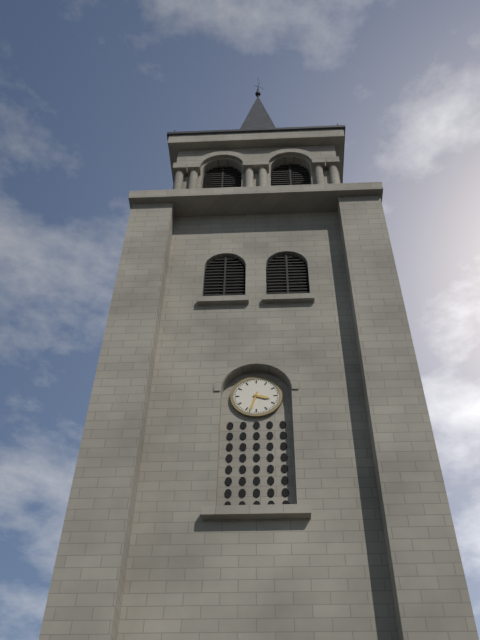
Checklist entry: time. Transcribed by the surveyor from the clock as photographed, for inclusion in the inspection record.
3:33
